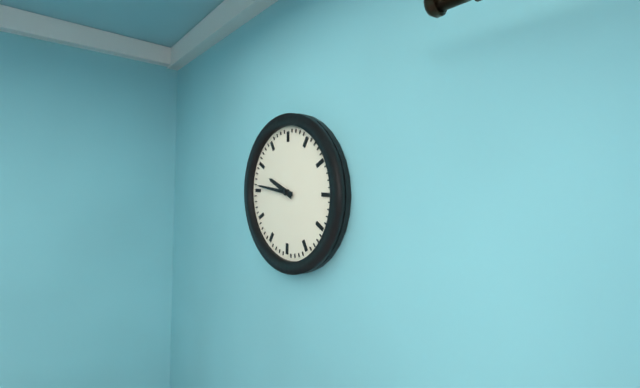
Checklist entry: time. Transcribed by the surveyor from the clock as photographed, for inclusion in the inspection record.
9:46
